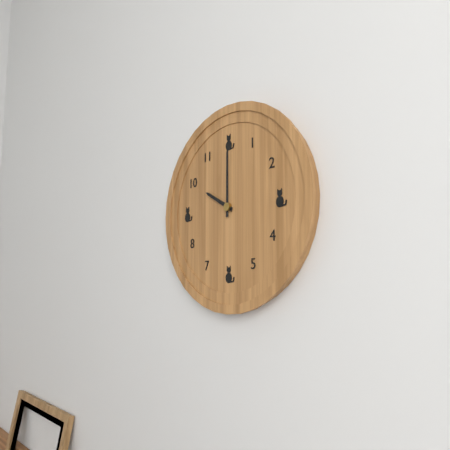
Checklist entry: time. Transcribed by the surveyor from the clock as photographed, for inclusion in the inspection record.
10:00
